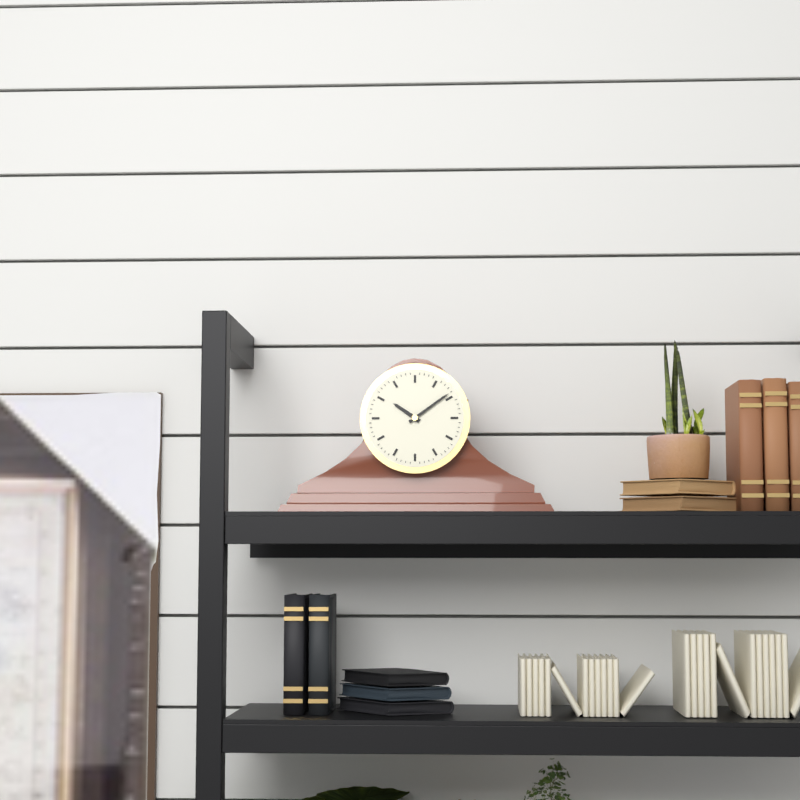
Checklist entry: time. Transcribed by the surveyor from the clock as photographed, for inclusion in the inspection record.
10:09
